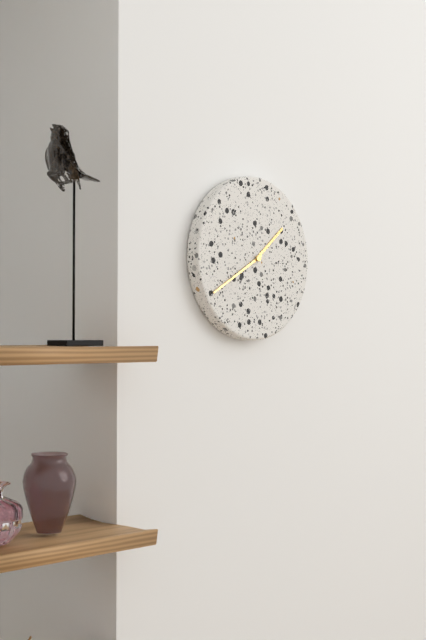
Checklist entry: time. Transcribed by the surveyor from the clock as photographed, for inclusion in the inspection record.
1:40
